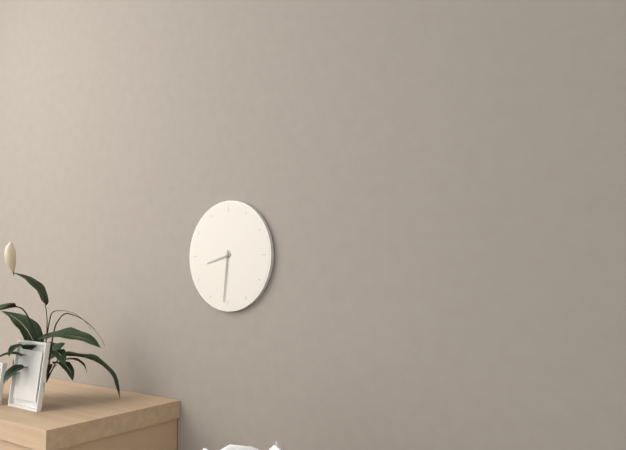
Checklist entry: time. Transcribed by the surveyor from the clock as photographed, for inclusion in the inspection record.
8:31
